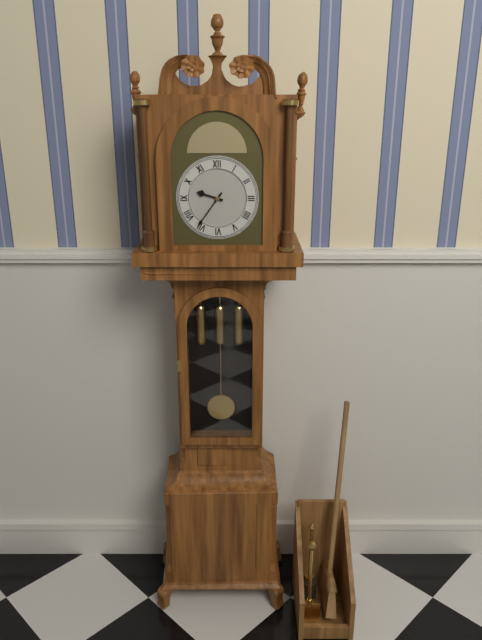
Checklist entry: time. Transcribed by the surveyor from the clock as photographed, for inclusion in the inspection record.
9:36
